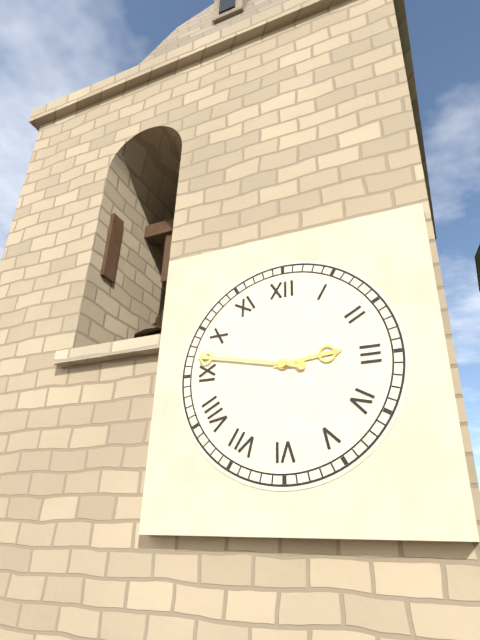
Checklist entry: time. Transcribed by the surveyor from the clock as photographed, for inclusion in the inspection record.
2:47
